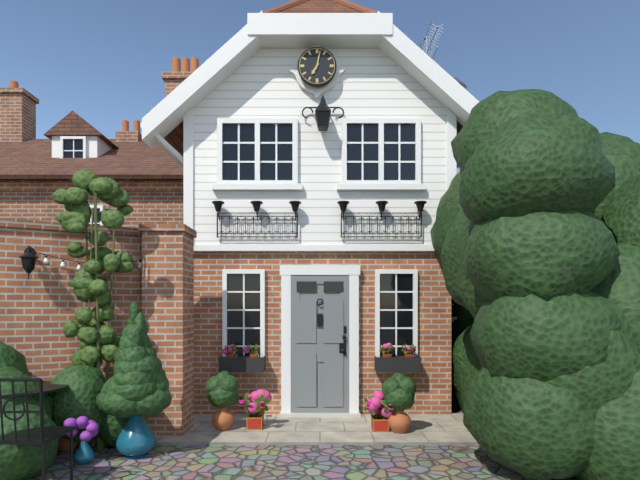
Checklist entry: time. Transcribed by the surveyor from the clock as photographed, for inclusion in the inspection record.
7:02
